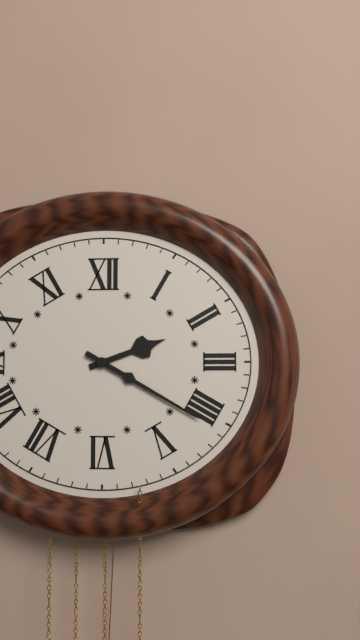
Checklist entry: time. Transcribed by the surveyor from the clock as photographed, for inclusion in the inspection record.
2:20
